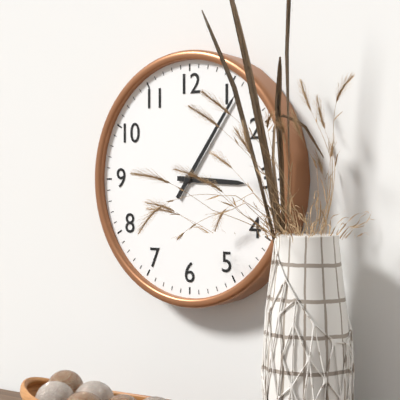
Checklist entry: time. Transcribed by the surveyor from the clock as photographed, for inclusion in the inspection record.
3:06
